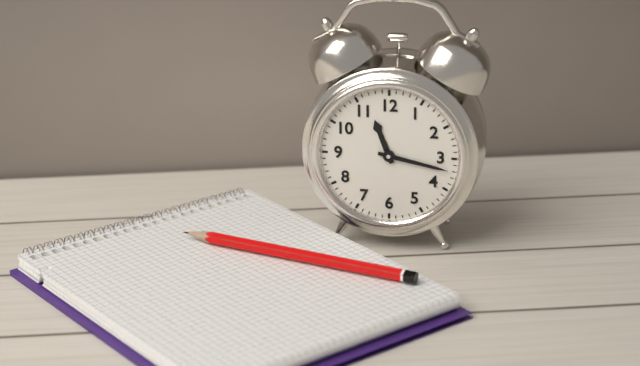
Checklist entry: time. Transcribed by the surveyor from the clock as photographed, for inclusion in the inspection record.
11:17
